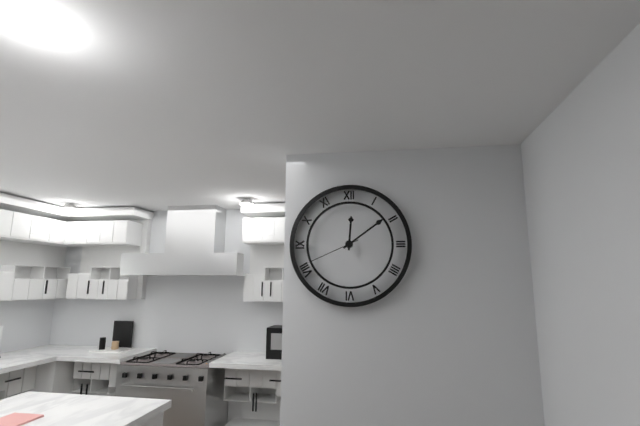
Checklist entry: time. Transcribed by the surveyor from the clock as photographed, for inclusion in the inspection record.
12:09:41
